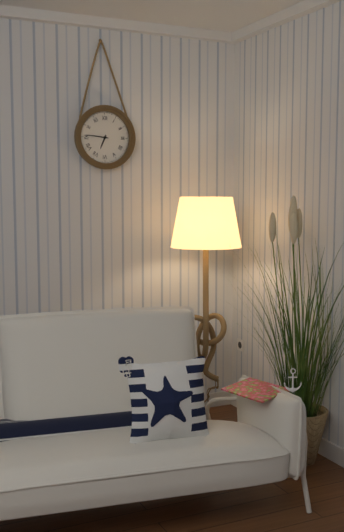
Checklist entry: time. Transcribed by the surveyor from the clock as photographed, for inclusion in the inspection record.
6:46
